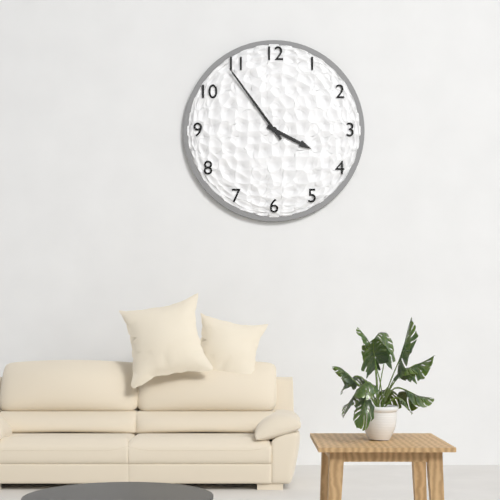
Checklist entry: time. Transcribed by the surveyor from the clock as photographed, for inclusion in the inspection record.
3:54
